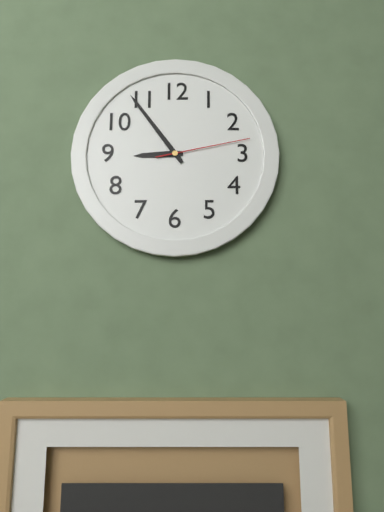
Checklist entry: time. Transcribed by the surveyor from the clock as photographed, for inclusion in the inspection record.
8:54:13
